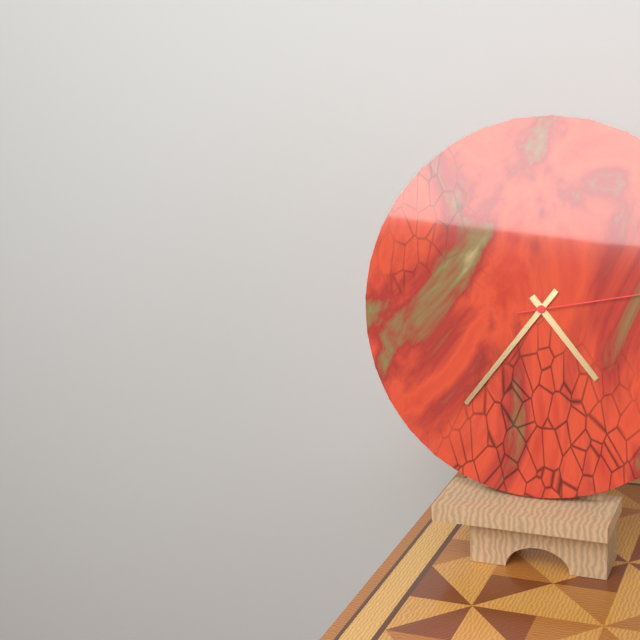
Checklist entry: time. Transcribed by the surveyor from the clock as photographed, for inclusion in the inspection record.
4:36
